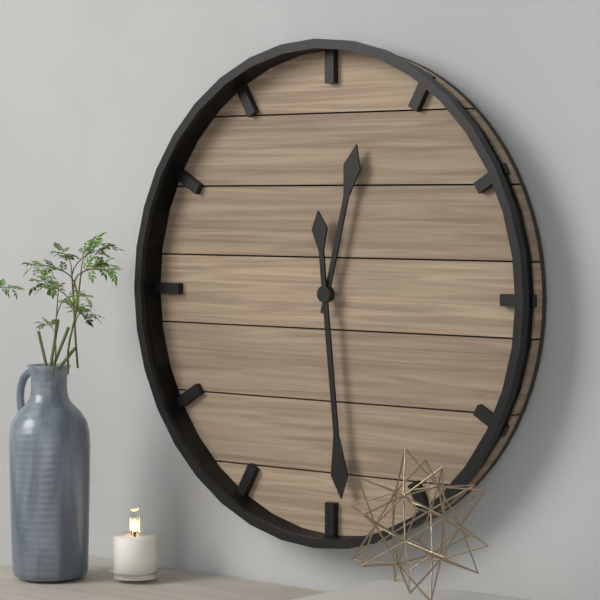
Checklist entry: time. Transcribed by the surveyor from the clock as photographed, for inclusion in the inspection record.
12:29
